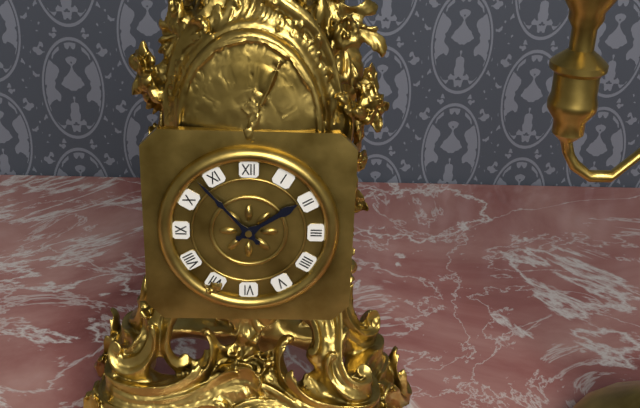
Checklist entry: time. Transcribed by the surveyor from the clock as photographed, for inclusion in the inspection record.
1:53
